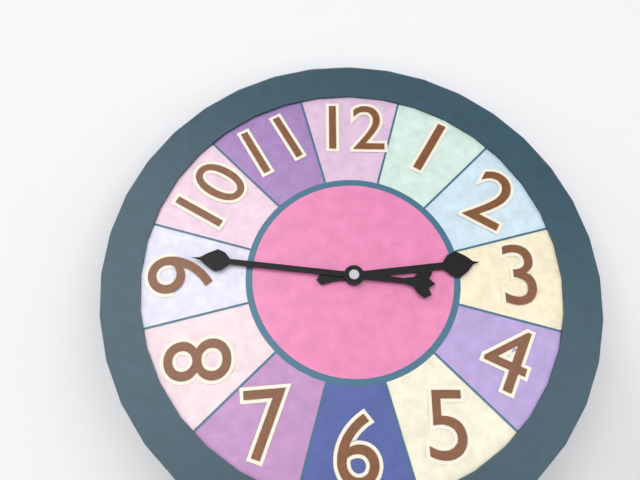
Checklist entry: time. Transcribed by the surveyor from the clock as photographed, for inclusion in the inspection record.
2:46
